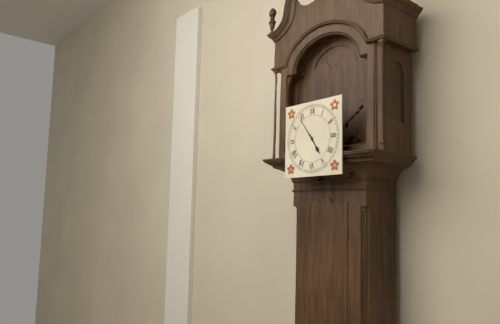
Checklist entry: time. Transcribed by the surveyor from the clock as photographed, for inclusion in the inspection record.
4:54
